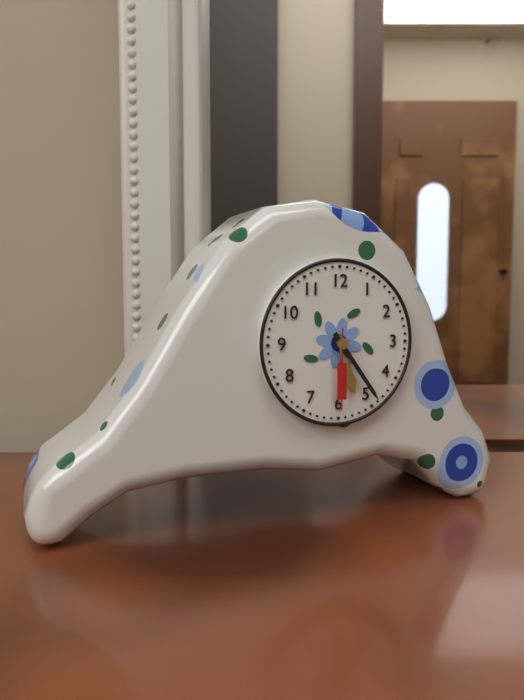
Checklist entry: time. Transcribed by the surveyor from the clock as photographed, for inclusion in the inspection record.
5:24:30
